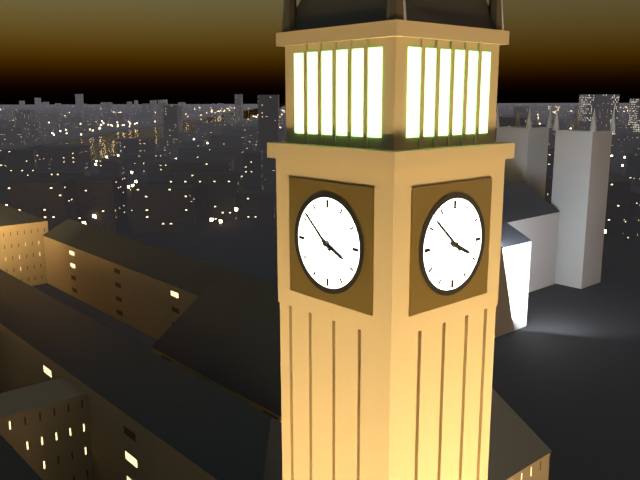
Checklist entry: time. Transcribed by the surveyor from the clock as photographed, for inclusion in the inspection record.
3:52
